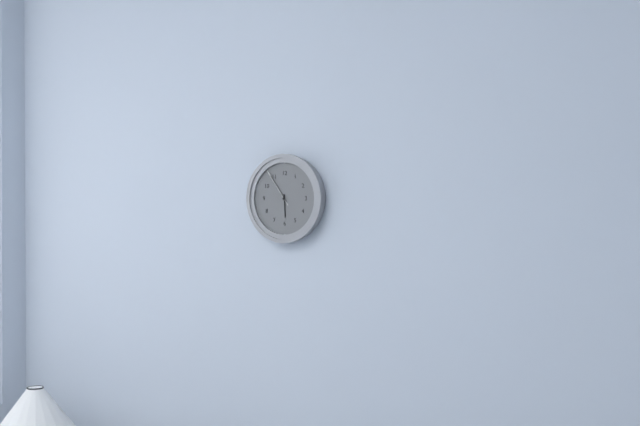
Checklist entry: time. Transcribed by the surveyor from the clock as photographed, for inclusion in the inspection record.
5:54
